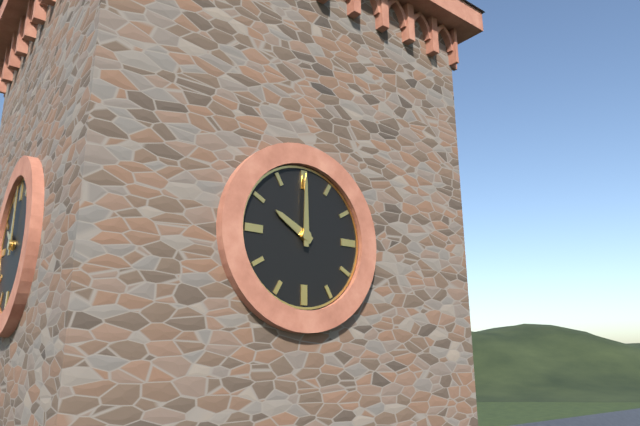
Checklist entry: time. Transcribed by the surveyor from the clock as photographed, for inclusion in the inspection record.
10:00
